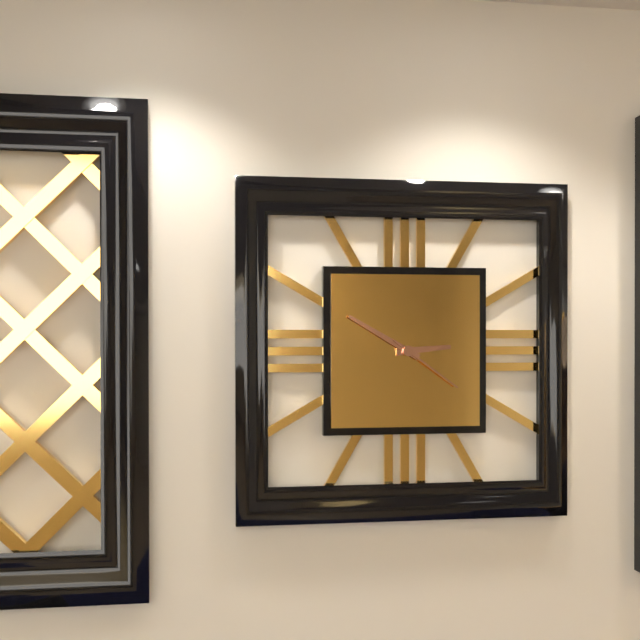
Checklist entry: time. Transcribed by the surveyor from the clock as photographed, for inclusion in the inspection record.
2:50:21
